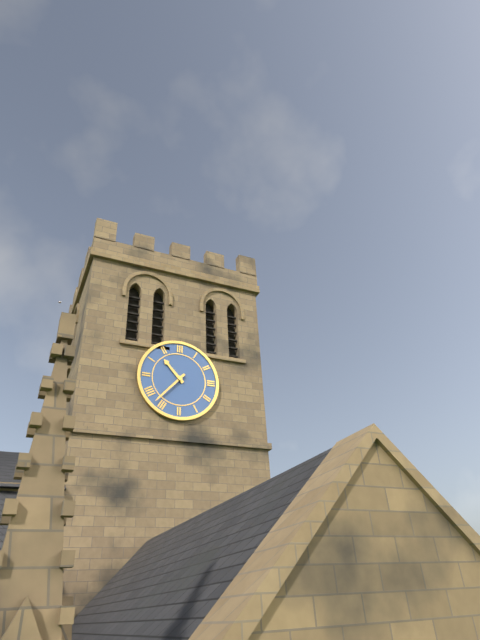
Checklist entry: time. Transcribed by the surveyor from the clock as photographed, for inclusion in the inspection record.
10:37
